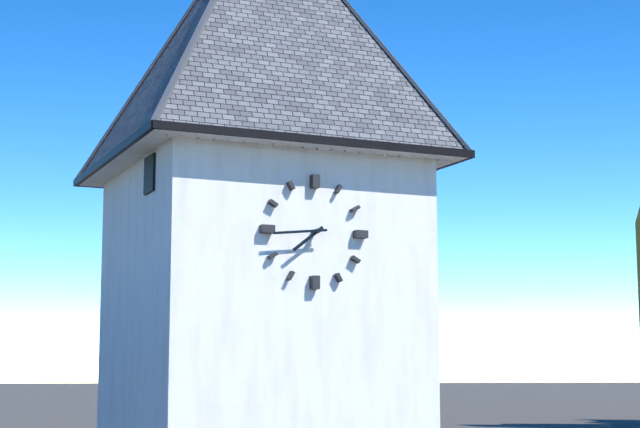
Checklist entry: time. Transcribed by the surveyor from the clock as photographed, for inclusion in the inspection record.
7:44
